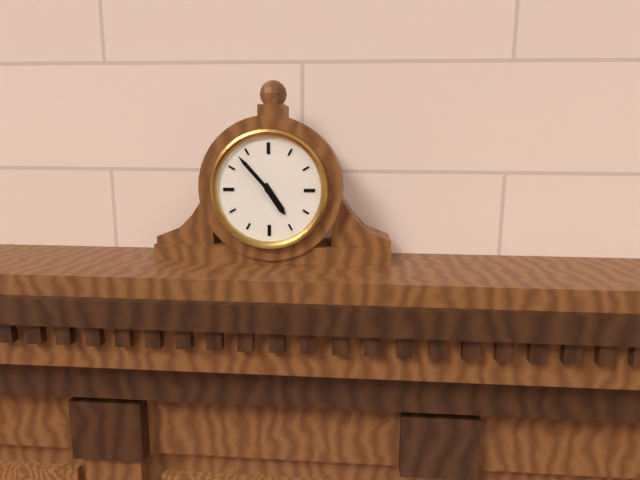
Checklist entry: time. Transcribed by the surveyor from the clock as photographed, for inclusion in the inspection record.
4:53
